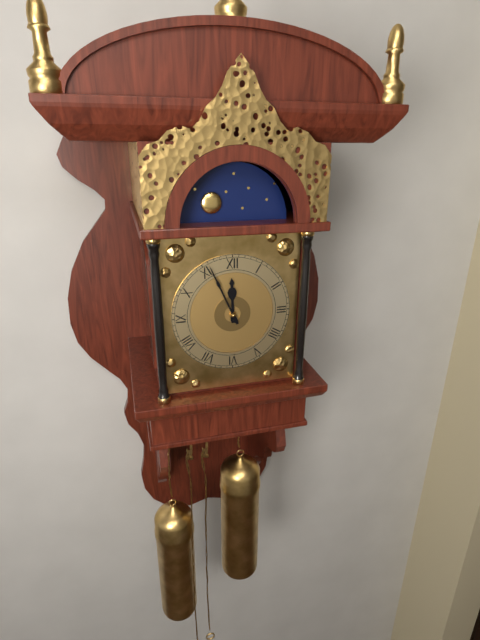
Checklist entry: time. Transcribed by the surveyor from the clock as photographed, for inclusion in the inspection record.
11:56
